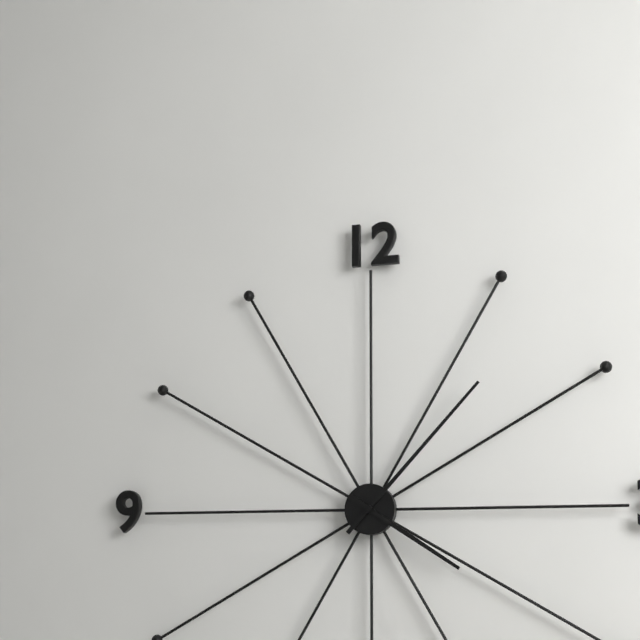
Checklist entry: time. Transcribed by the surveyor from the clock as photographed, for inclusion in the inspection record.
4:07
